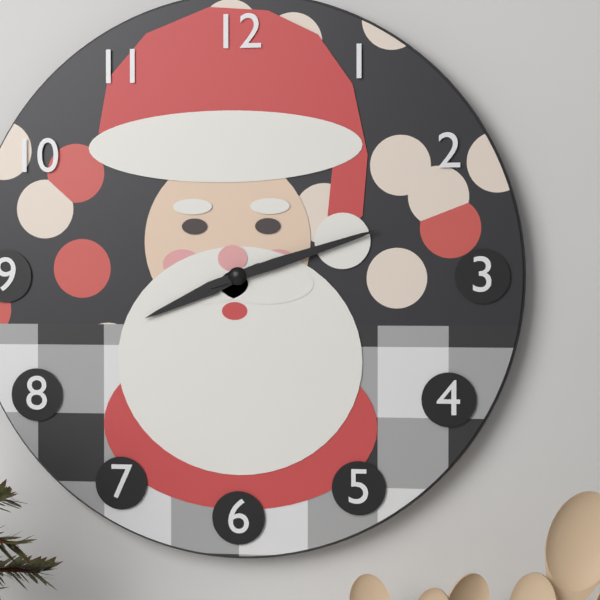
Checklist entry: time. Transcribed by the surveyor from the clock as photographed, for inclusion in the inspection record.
8:12
